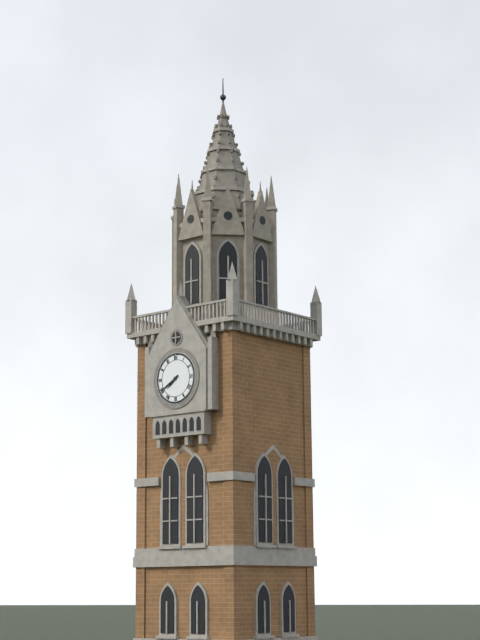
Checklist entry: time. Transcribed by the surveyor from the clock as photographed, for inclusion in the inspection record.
7:40
